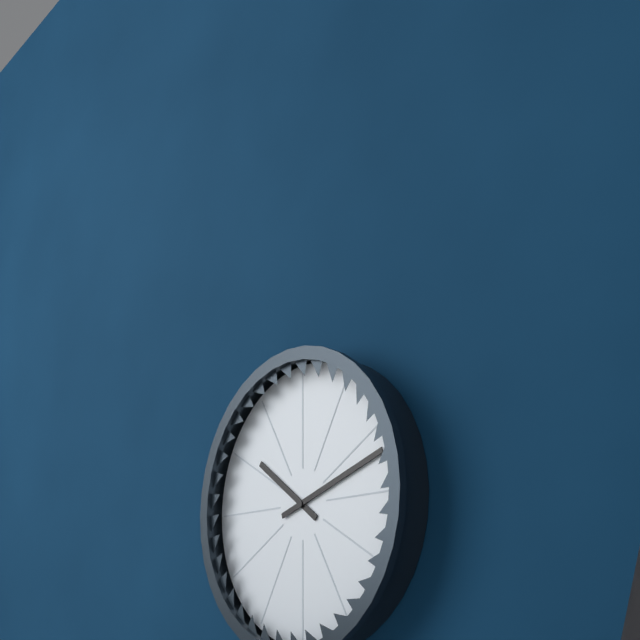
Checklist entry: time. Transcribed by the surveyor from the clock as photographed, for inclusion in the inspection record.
10:12
